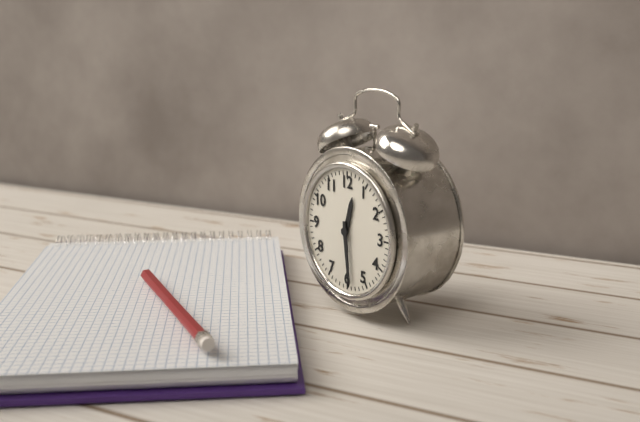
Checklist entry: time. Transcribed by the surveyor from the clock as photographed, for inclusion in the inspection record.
12:29
